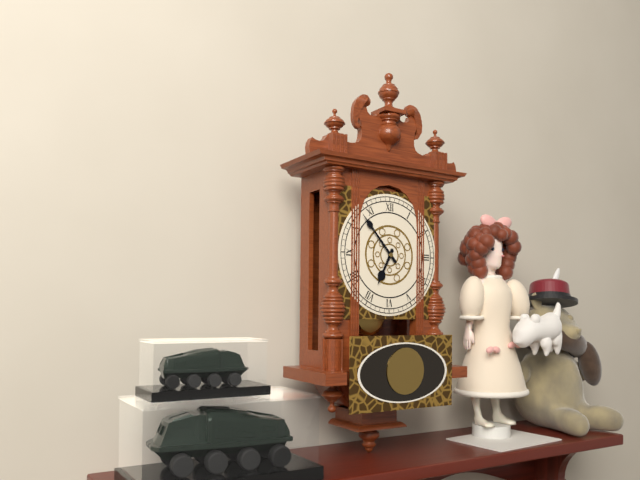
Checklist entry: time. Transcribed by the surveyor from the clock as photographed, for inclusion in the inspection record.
6:53
